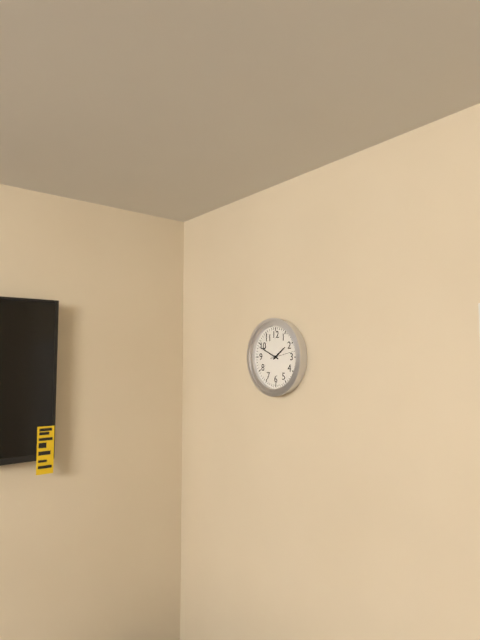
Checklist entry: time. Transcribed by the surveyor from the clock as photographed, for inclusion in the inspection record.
1:49
